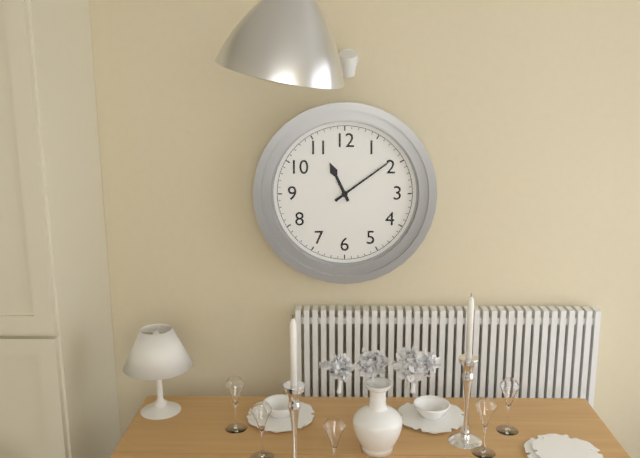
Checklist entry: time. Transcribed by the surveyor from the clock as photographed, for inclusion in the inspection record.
11:09
